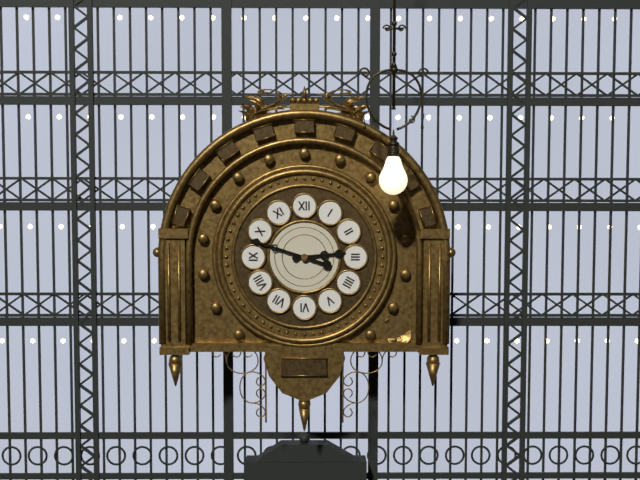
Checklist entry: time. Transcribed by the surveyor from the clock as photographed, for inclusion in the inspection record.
2:48
